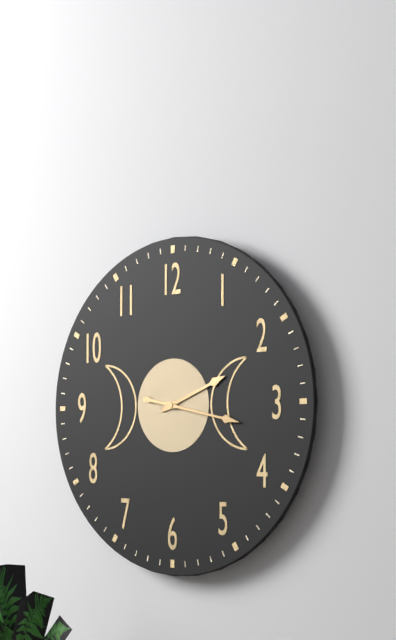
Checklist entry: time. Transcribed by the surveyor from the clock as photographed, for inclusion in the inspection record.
2:17
